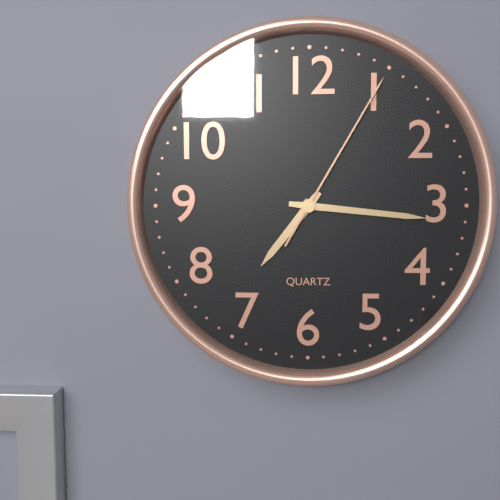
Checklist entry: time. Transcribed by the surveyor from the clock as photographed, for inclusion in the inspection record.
7:16:05
